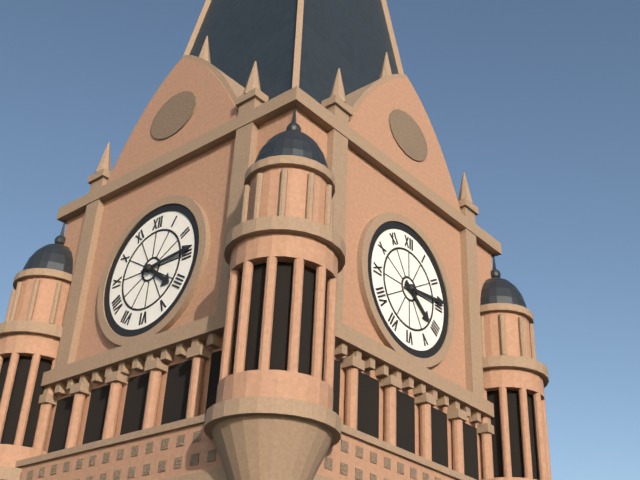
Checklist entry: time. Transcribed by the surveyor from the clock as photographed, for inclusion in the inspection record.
4:14
